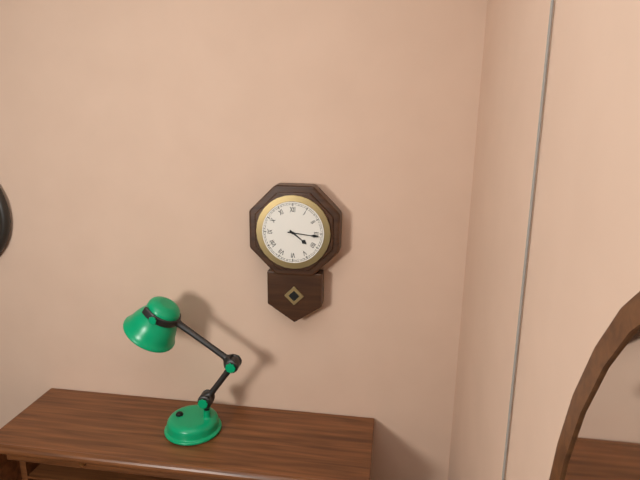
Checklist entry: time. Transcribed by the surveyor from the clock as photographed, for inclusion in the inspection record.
4:16
